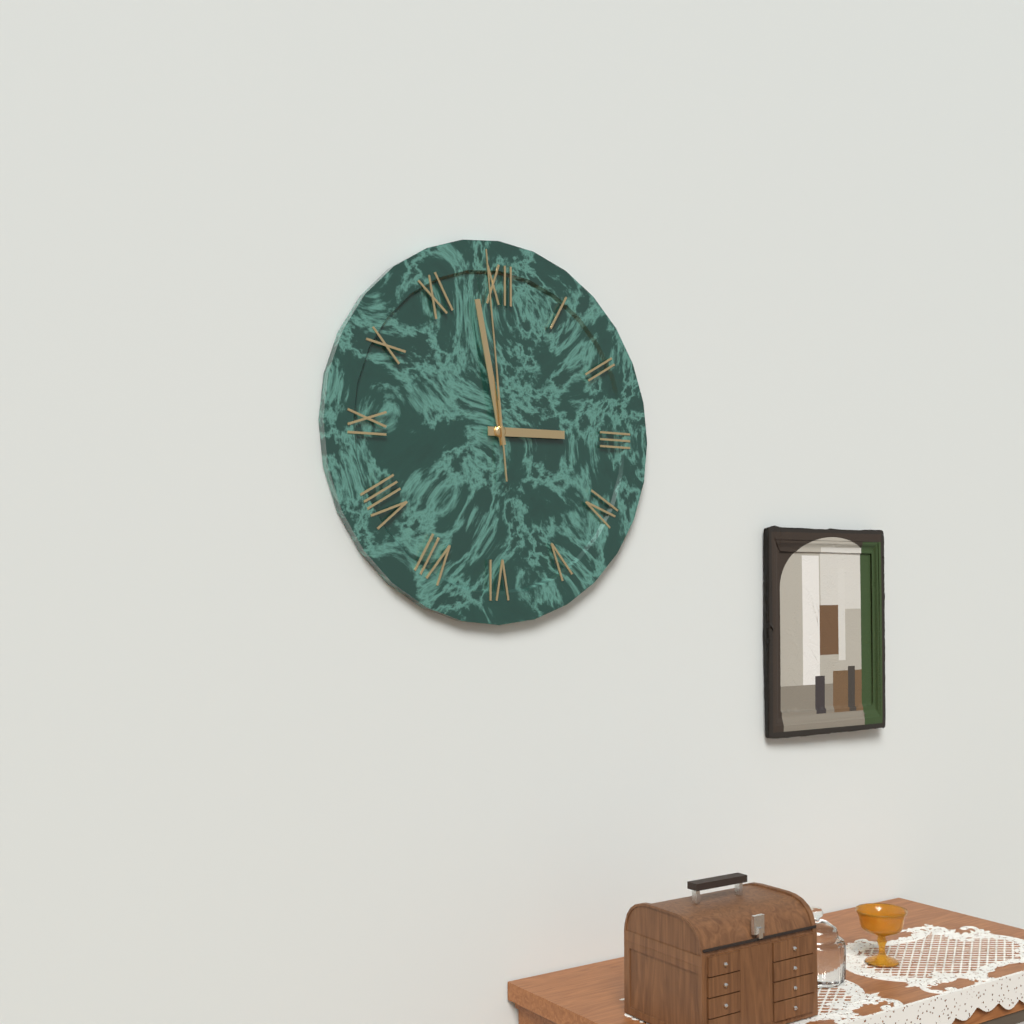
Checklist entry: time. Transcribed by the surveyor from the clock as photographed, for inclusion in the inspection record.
2:58:59
